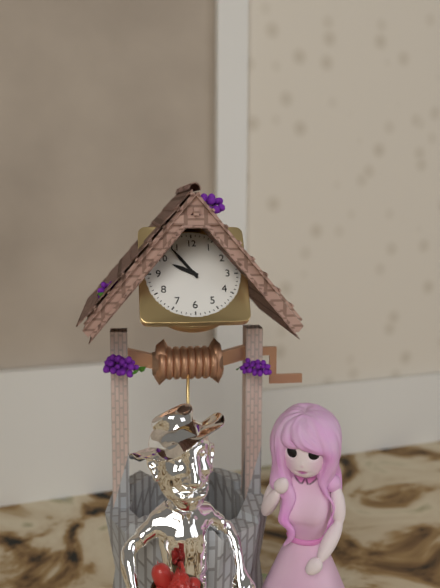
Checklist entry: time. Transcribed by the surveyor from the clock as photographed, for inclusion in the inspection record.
9:54
